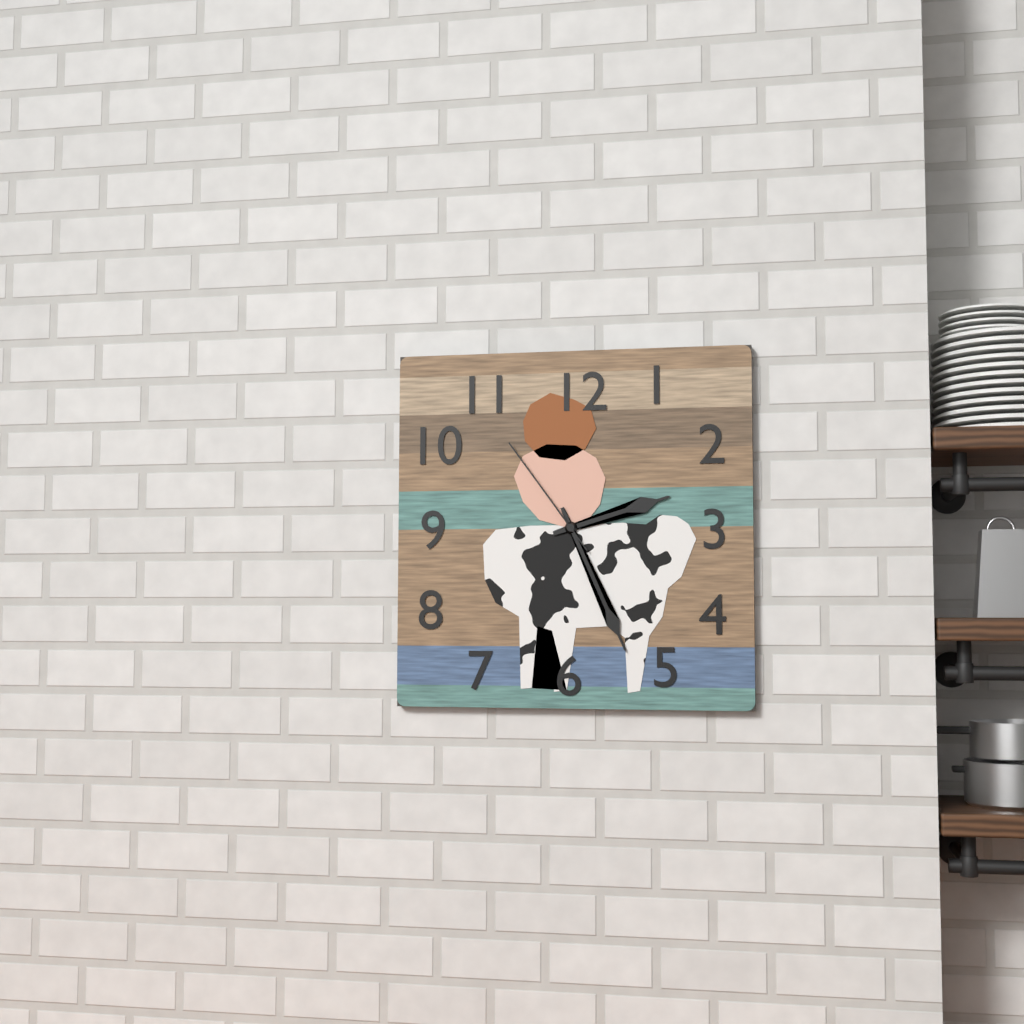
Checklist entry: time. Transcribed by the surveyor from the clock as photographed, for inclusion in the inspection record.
2:26:54
